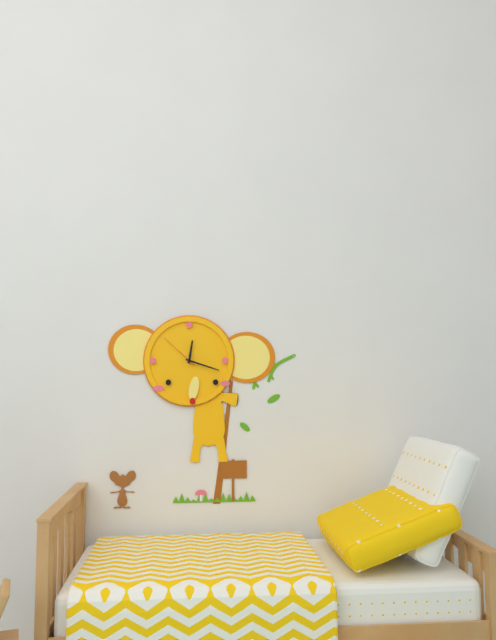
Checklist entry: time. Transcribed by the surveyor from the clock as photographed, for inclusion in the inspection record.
12:18
